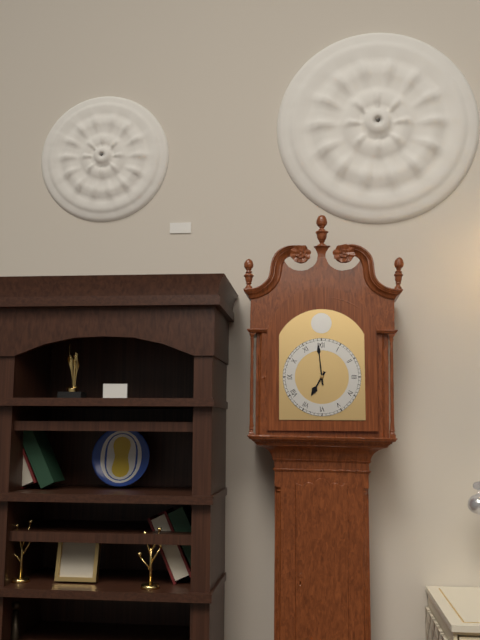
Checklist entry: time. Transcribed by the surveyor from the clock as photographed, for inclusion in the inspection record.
6:59
